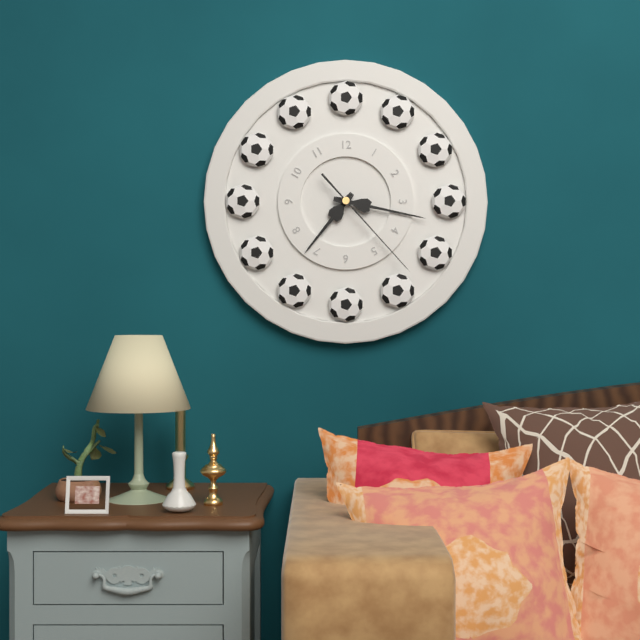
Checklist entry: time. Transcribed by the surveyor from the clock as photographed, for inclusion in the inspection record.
7:17:23
